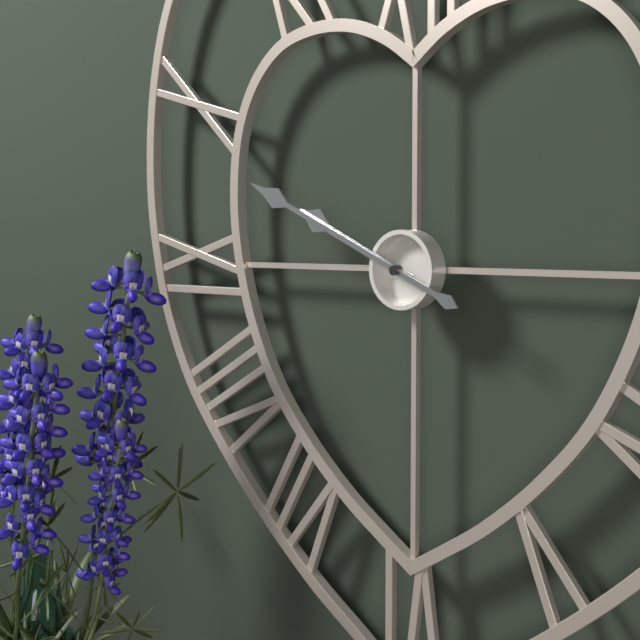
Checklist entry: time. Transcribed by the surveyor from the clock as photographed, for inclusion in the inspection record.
9:49
